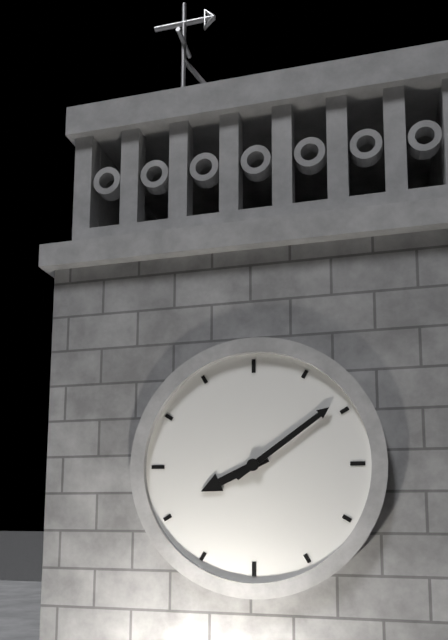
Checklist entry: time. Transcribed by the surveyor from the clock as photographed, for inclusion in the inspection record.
8:09
